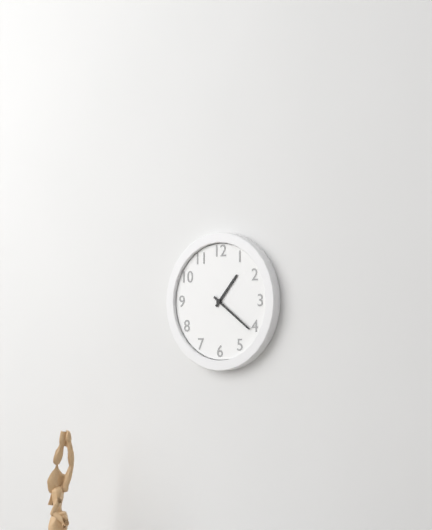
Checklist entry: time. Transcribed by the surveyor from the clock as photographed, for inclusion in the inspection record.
1:21
